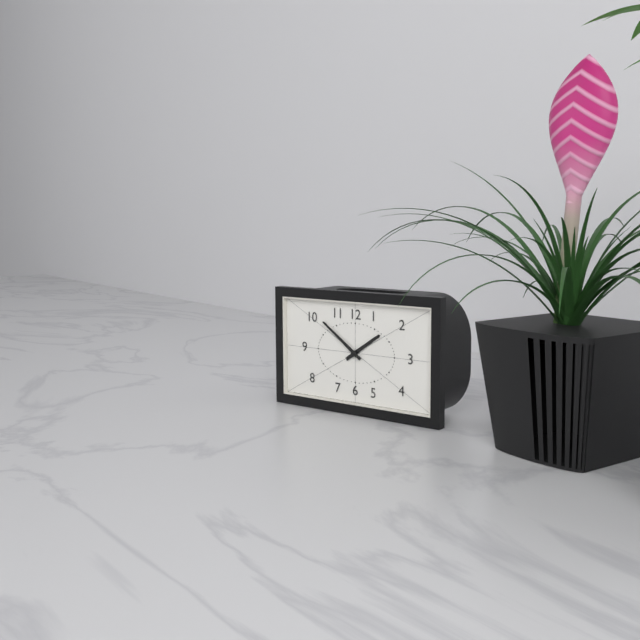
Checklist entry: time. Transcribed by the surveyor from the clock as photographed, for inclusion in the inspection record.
1:51
